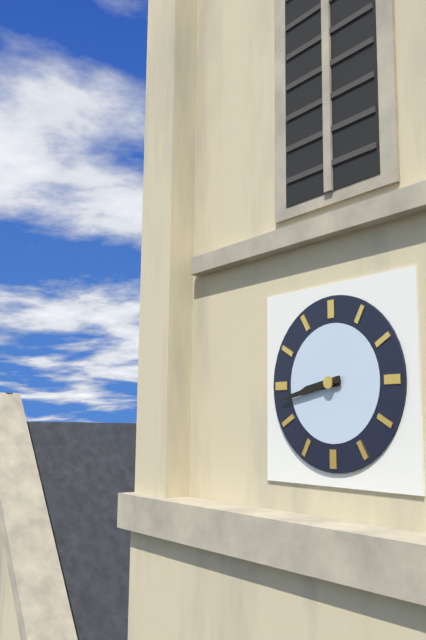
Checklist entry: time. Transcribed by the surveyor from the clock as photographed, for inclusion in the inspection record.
8:43
